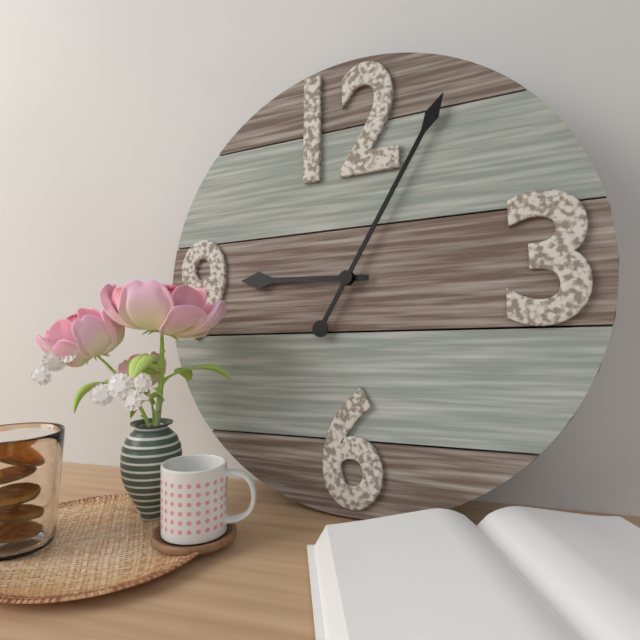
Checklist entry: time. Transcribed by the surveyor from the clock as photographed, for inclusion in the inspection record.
9:05
